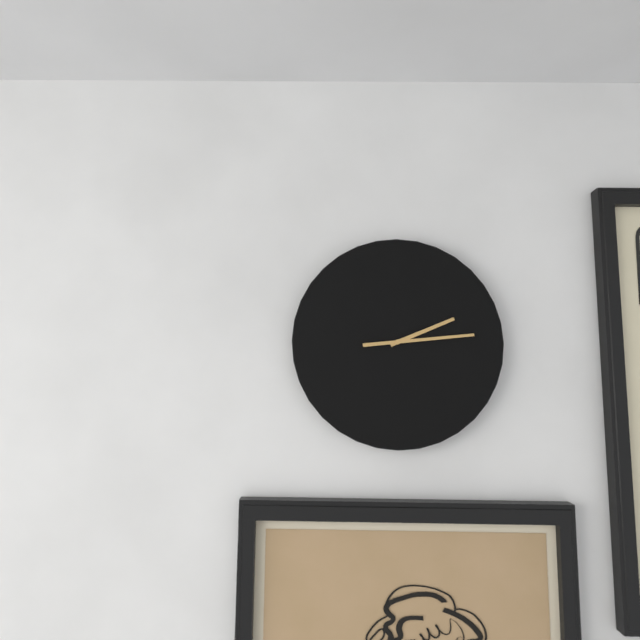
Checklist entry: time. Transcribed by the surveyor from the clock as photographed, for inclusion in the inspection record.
2:14
